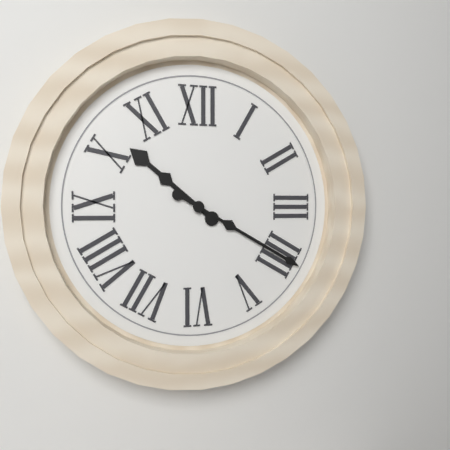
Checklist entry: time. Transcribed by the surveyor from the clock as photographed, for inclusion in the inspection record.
10:20
